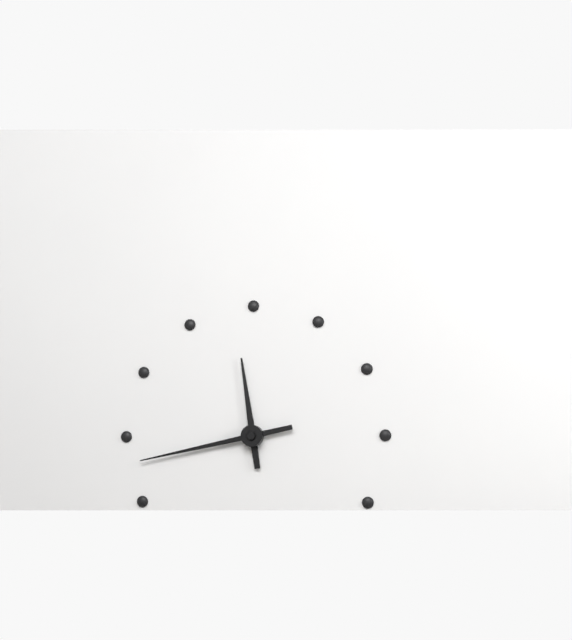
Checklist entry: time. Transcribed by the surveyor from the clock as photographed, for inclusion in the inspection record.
11:43
